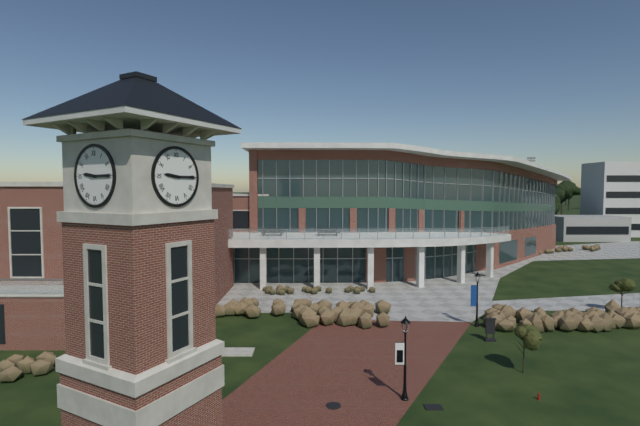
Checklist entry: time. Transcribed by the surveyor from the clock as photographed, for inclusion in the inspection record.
9:15
